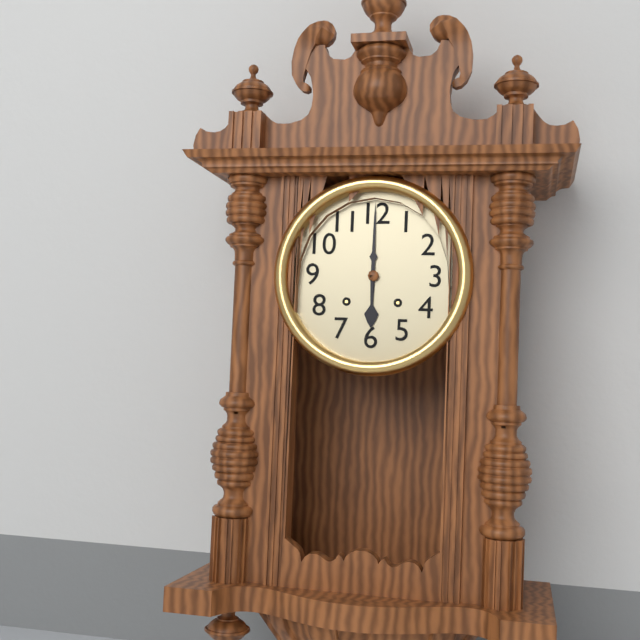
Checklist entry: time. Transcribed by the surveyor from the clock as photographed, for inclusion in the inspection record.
6:00
